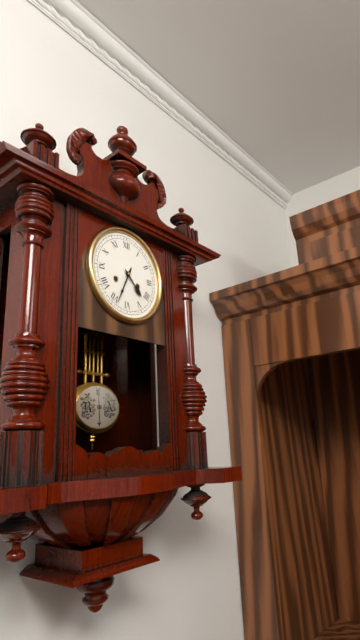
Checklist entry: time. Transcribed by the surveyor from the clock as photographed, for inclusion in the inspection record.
4:34
